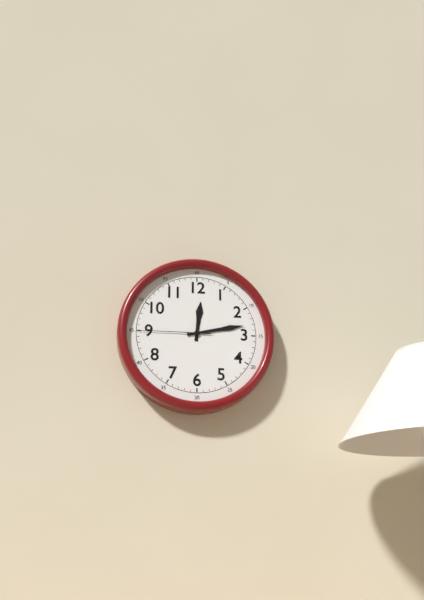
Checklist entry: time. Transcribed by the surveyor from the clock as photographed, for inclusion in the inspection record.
12:13:45
